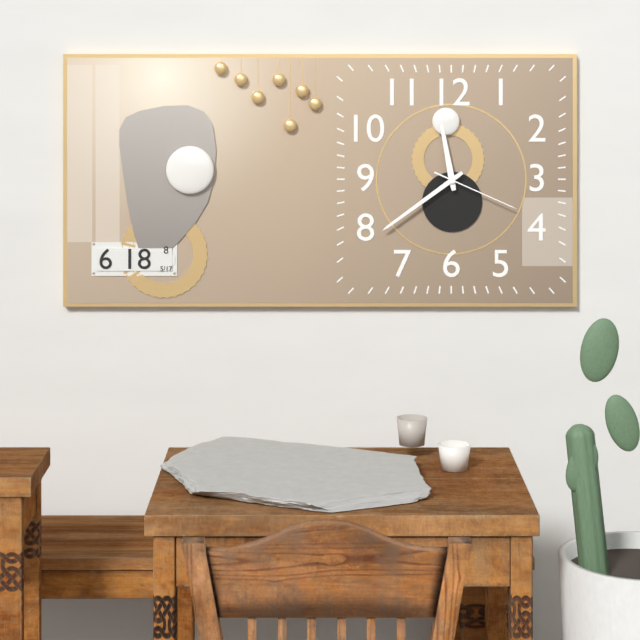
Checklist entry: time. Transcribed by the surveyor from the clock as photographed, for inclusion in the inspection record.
11:39:19
